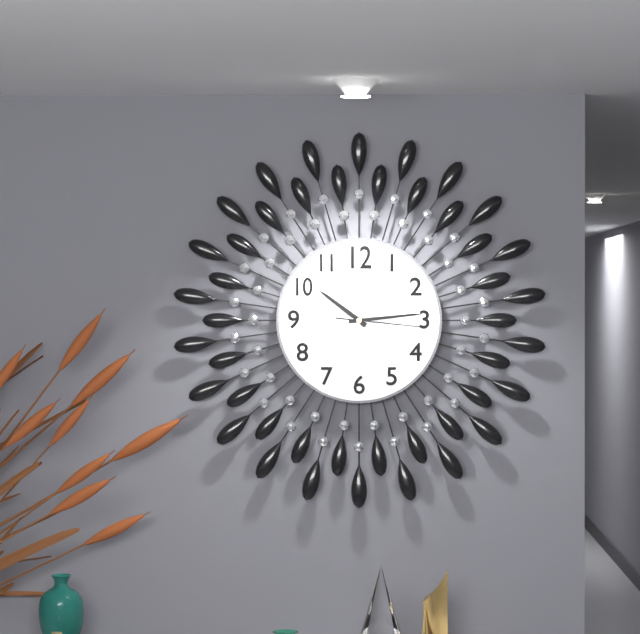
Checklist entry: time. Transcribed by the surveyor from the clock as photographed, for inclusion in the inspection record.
10:14:16
